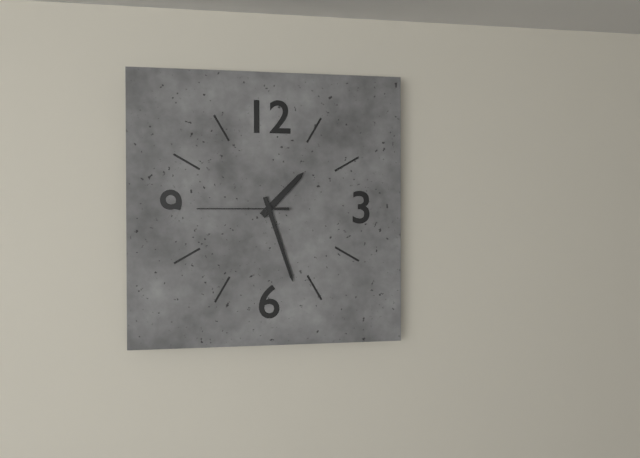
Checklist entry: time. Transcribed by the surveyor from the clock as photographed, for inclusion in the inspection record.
1:27:45
